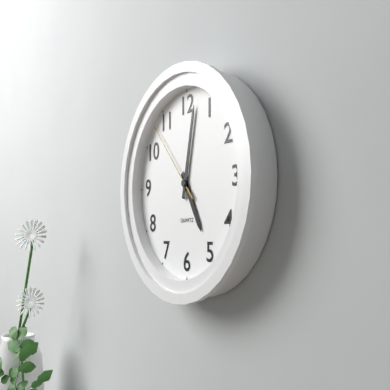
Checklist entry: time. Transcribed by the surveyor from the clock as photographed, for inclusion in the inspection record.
5:02:53
